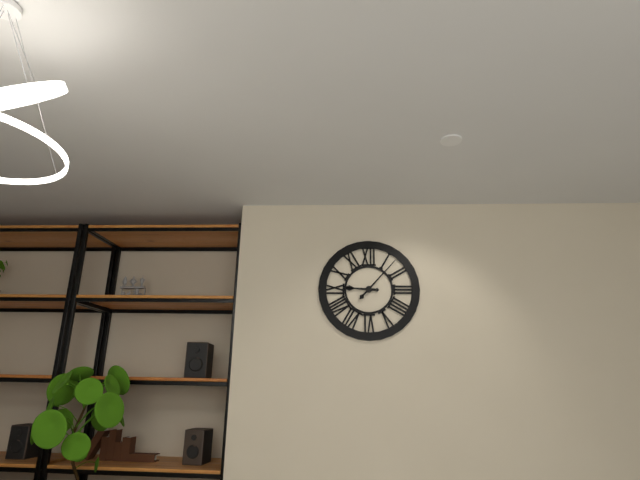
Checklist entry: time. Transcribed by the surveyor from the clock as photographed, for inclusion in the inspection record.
9:07
